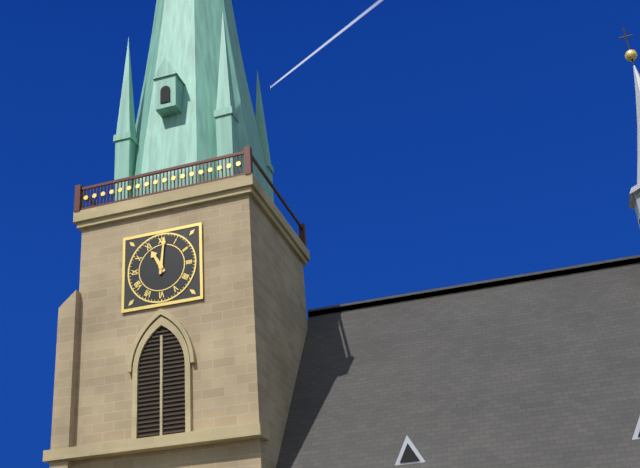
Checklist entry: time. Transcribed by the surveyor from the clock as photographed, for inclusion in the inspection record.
11:01
